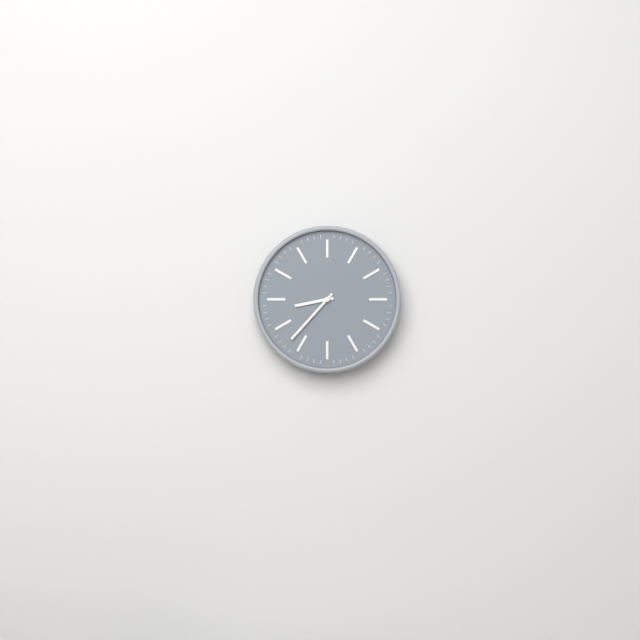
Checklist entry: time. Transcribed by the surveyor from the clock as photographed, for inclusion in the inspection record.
8:37
